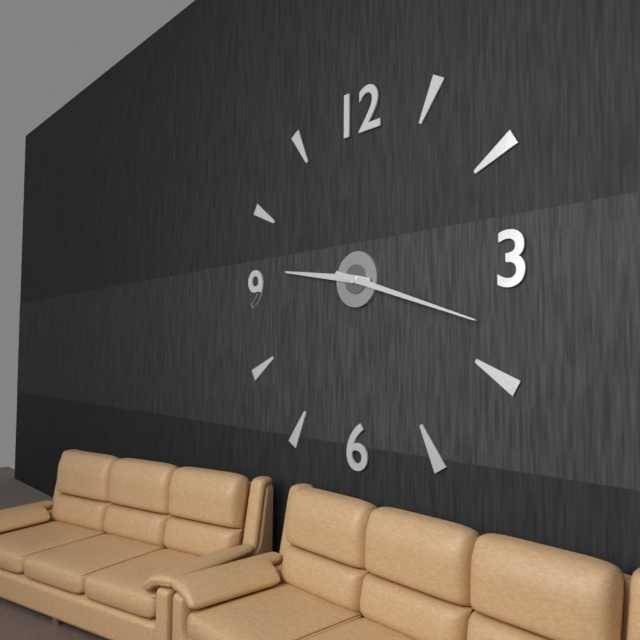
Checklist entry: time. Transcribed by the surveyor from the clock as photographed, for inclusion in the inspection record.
9:18
